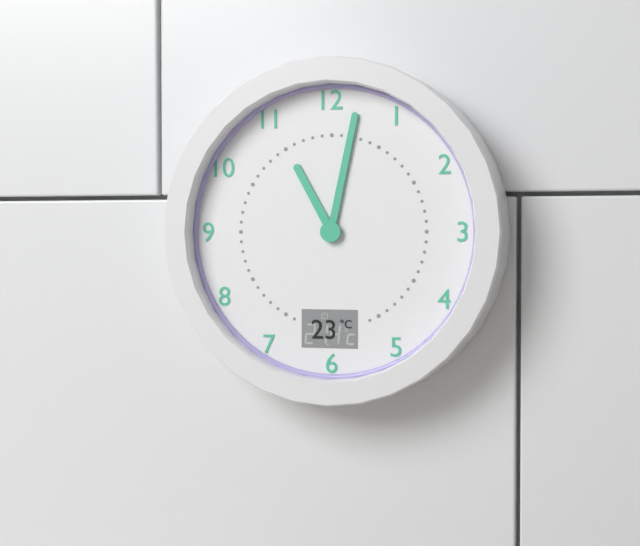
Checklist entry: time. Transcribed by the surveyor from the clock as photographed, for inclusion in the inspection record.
11:02
